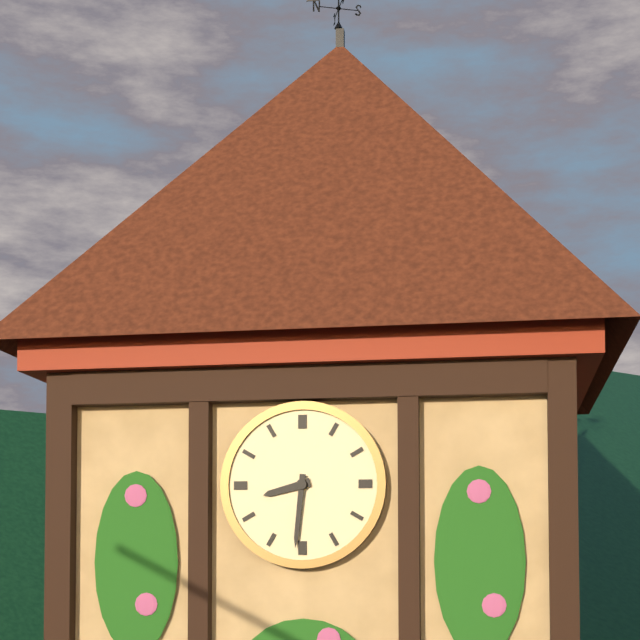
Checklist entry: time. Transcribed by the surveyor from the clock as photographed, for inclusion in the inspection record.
8:31
